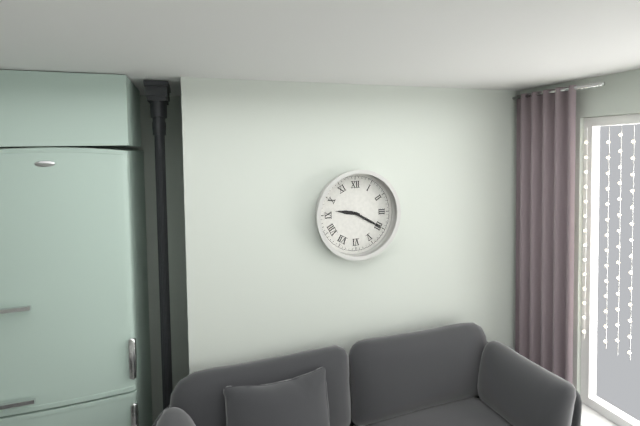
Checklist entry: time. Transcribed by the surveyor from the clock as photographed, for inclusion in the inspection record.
9:20
